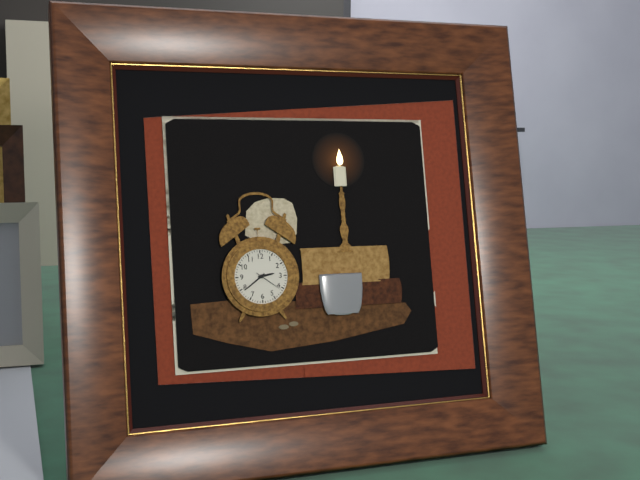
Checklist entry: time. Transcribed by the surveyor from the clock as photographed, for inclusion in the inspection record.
2:39
